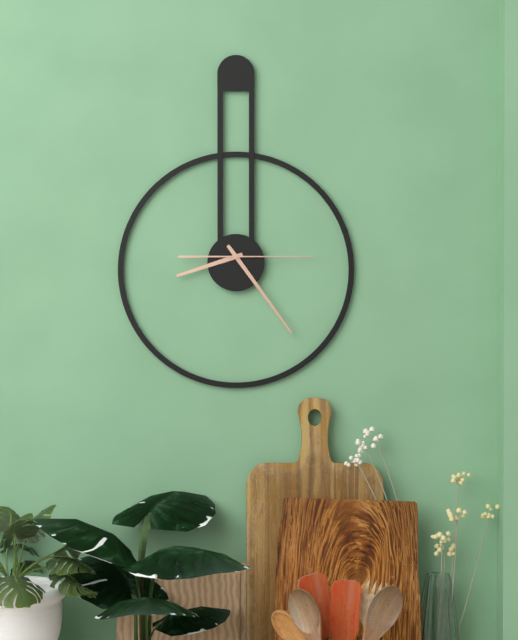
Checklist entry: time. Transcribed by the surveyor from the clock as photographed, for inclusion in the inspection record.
8:24:15
